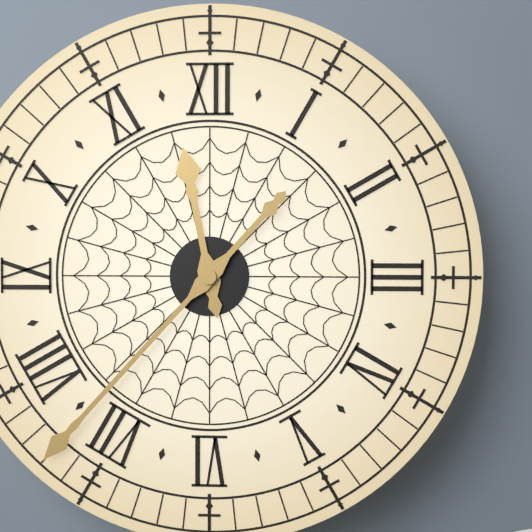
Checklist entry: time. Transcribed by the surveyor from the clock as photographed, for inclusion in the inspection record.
11:37
